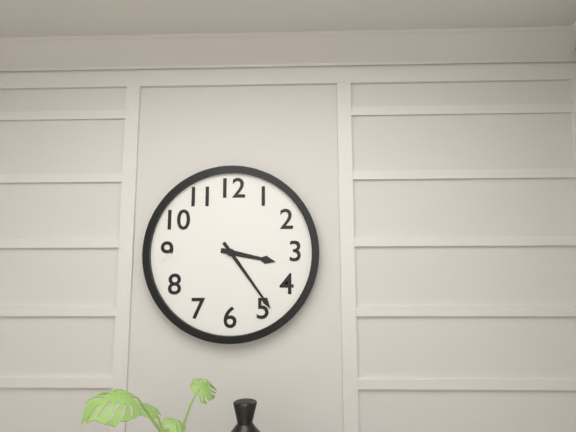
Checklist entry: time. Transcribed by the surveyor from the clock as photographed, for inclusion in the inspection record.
3:24
